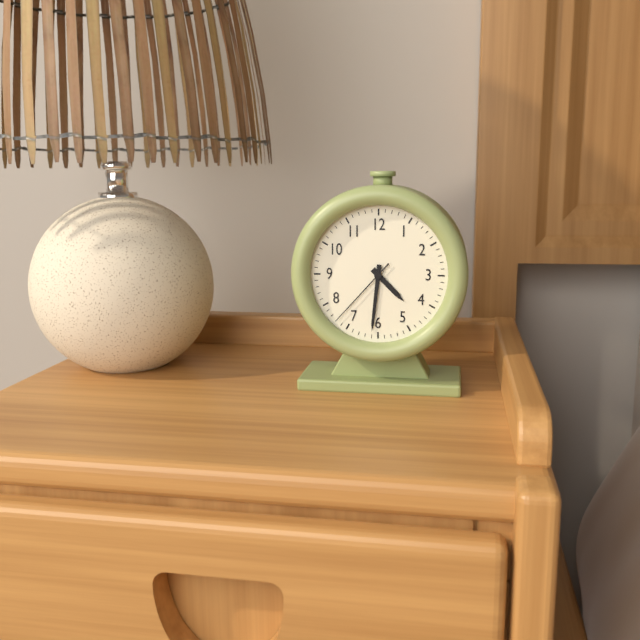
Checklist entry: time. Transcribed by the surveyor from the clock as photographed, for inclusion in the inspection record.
4:31:37
